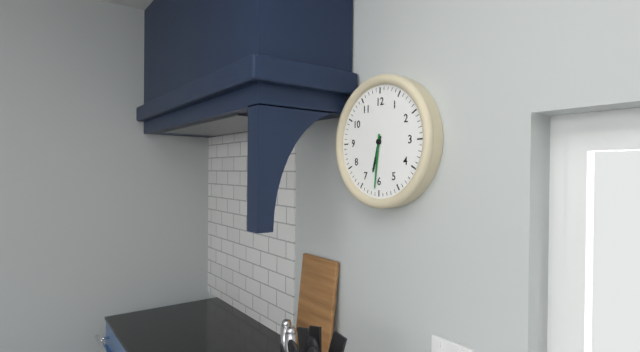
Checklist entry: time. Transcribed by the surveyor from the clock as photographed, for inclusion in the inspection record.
6:31
